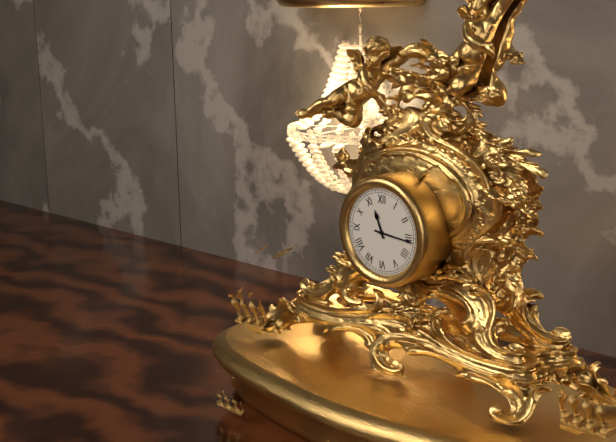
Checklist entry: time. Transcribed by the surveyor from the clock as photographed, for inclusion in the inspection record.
11:16
